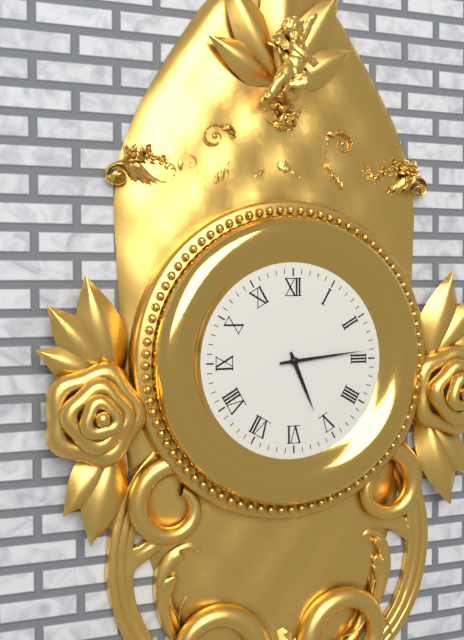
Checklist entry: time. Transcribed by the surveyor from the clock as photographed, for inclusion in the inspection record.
5:14
